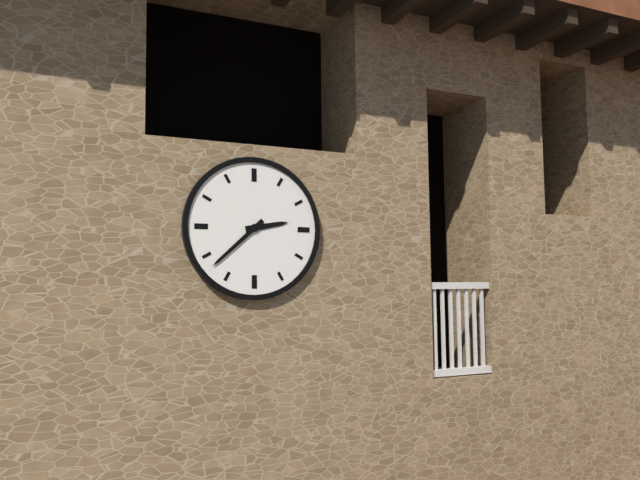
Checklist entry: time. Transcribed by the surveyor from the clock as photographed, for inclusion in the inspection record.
2:38
